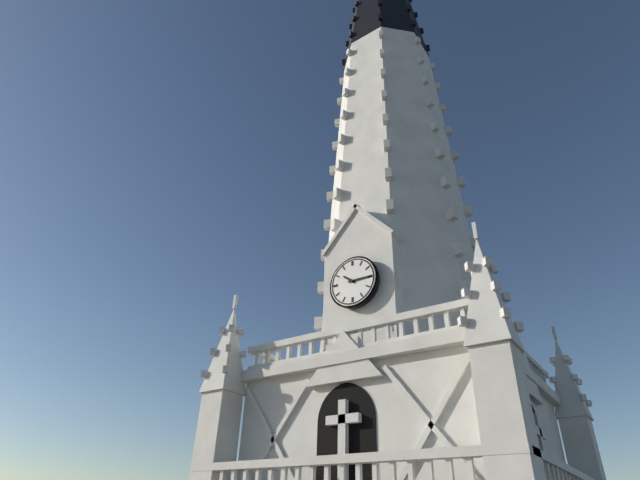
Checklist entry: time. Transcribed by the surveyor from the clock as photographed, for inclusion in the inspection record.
10:15
